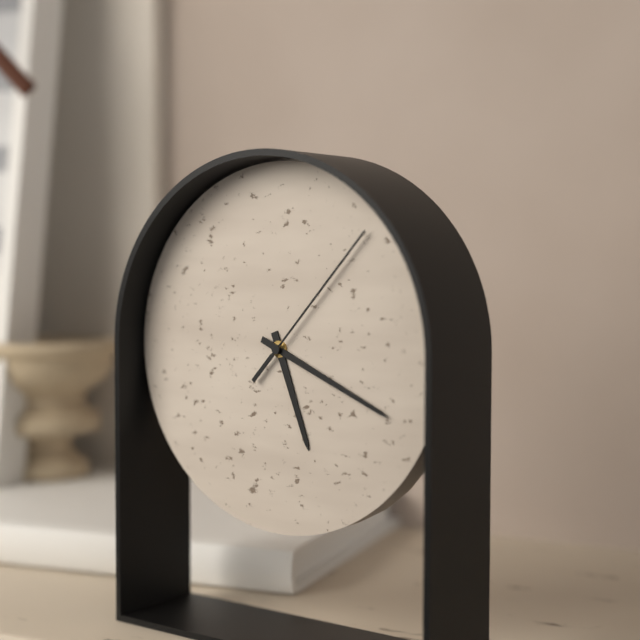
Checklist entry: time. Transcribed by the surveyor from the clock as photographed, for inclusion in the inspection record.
5:19:07
